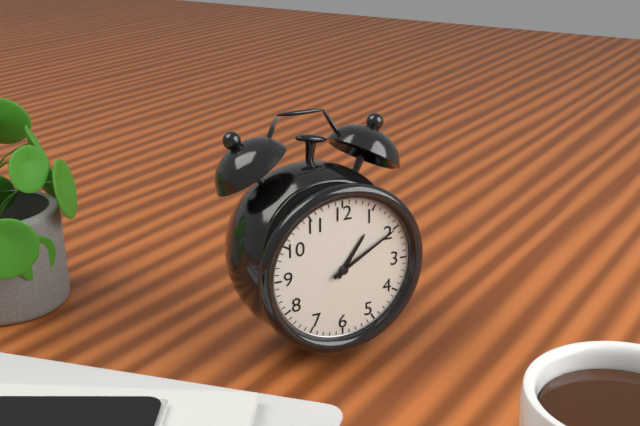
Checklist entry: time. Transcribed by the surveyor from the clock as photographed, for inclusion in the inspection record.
1:10
